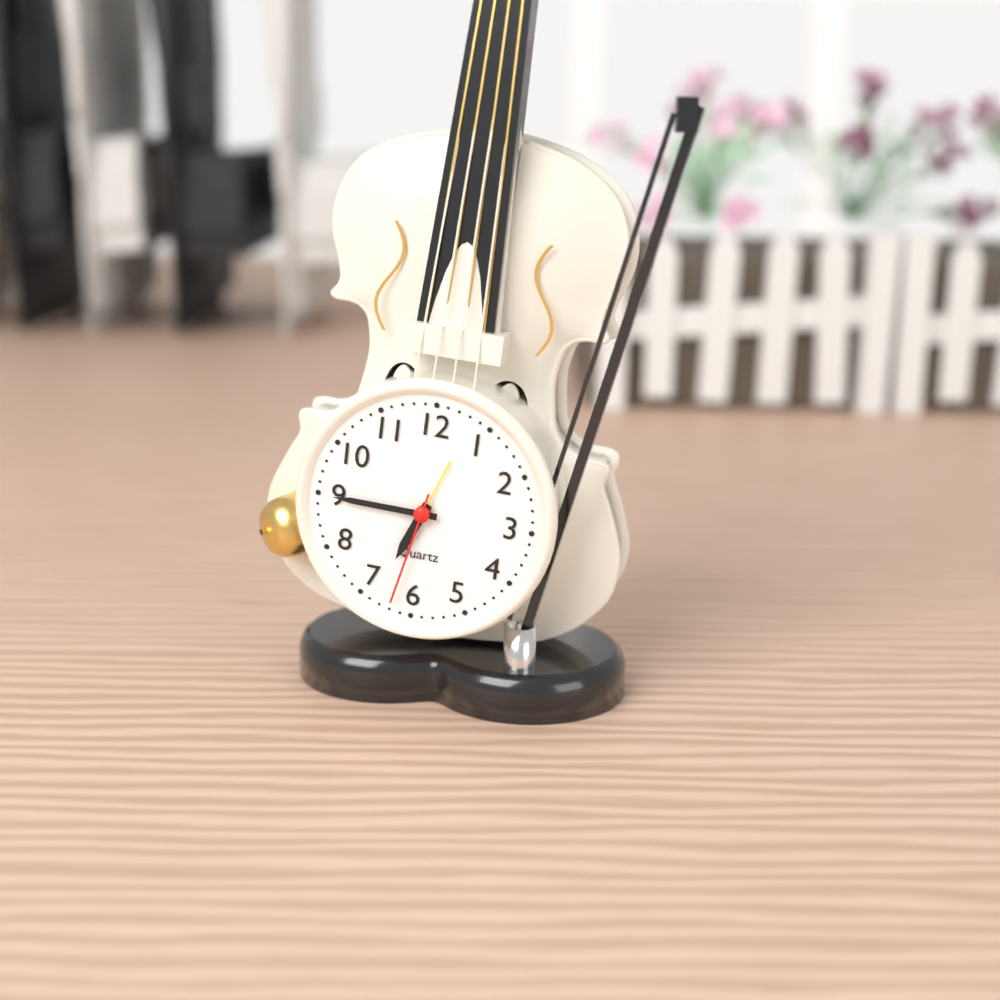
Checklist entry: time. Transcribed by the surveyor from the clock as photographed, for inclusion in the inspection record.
6:45:32
